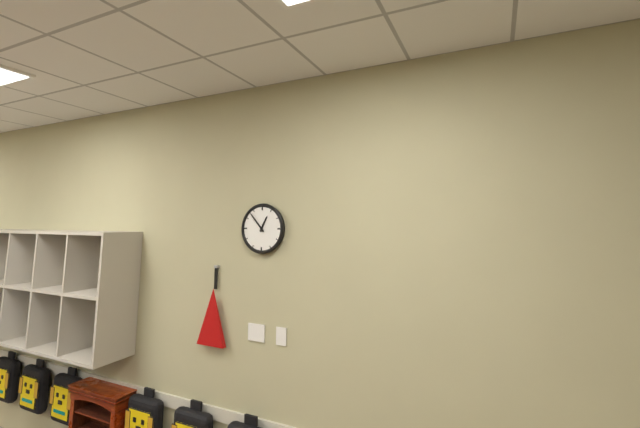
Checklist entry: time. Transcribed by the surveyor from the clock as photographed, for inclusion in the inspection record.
12:53
